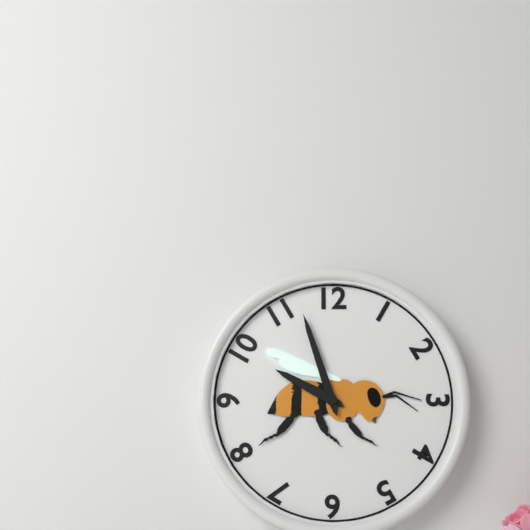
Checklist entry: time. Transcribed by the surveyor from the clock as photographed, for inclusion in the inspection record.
9:57
